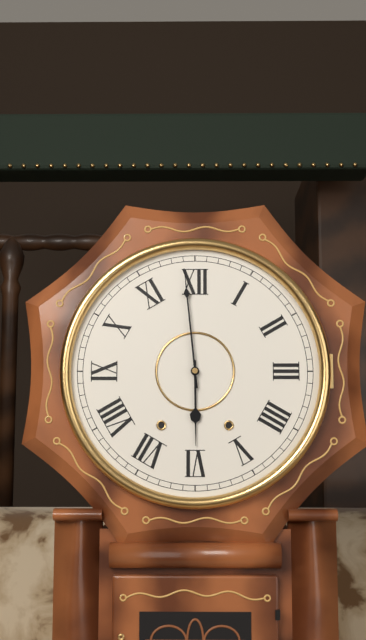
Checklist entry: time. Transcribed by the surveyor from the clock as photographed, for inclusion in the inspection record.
5:59
